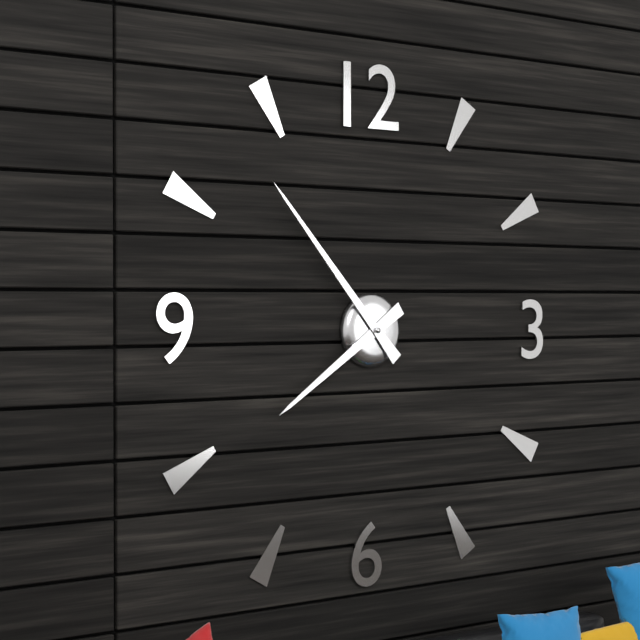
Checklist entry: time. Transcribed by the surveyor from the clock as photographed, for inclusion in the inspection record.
7:53
